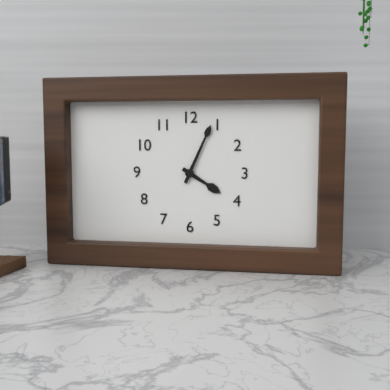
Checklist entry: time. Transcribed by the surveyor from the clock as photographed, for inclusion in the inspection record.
4:04
